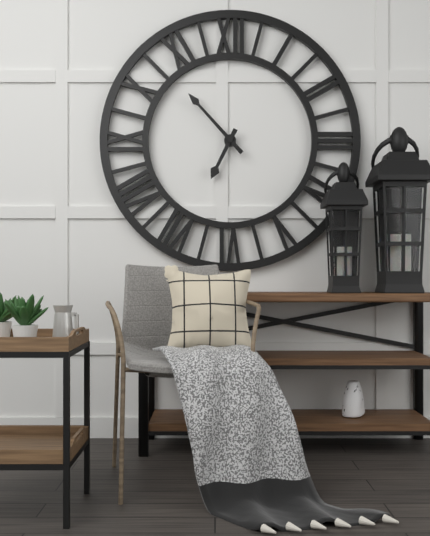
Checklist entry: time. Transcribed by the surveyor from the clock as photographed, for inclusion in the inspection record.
6:53
